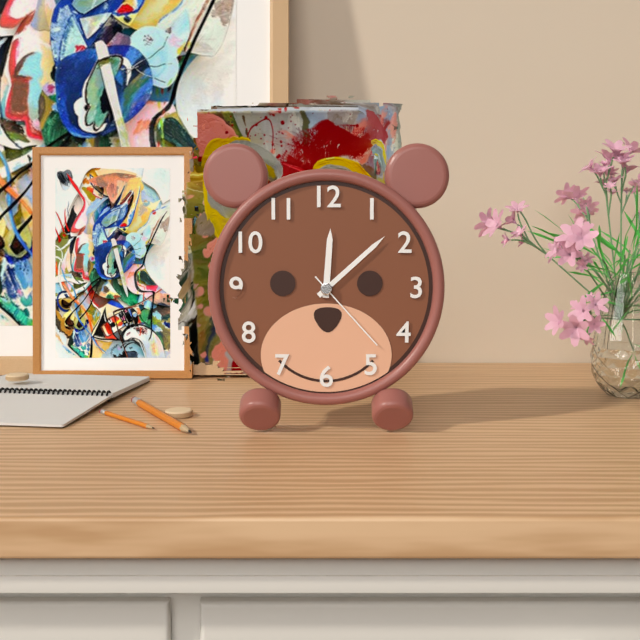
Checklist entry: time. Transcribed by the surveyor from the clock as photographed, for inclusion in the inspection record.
12:08:23
